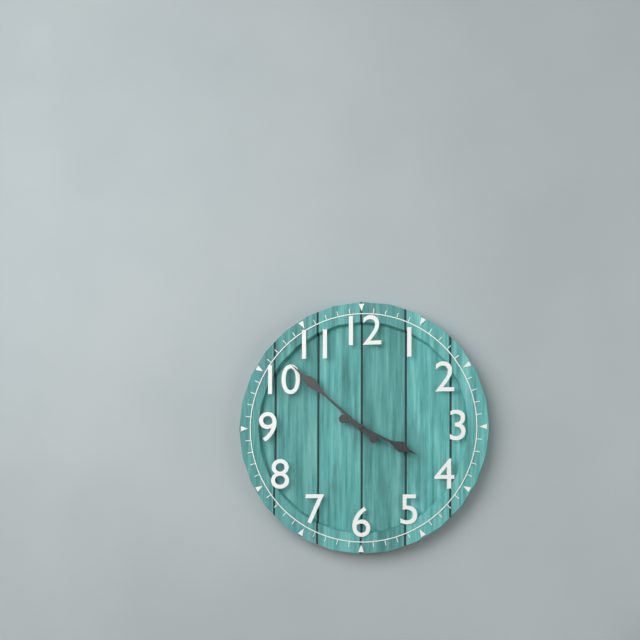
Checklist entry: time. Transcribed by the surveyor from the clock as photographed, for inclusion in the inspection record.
3:52
